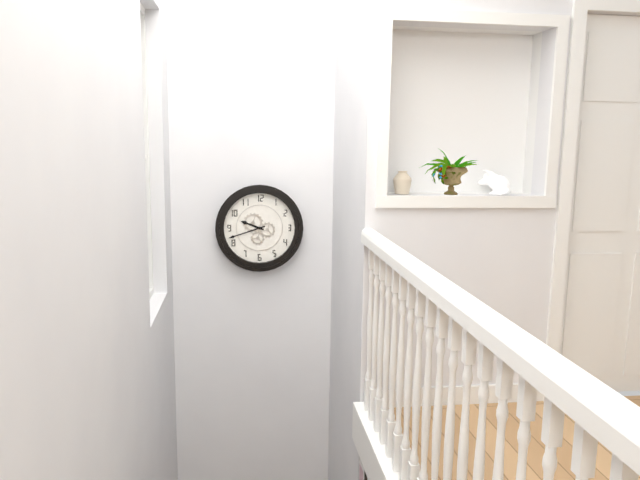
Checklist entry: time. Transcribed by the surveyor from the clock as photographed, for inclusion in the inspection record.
9:42
